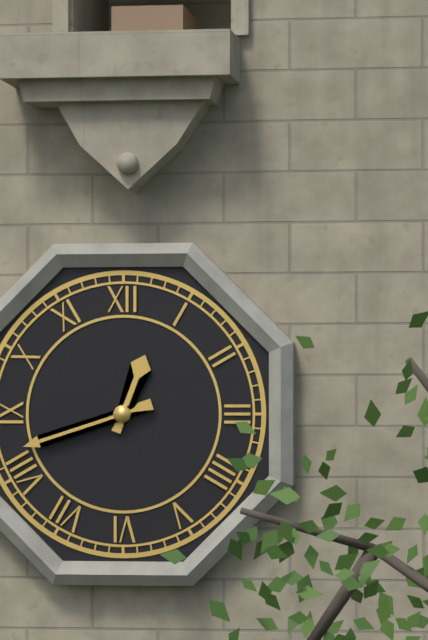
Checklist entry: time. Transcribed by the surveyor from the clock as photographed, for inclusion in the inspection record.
12:42
